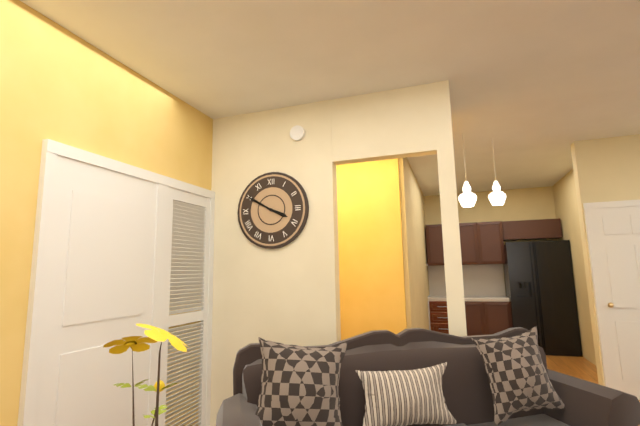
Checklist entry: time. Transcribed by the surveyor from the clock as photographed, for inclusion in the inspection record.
3:50
